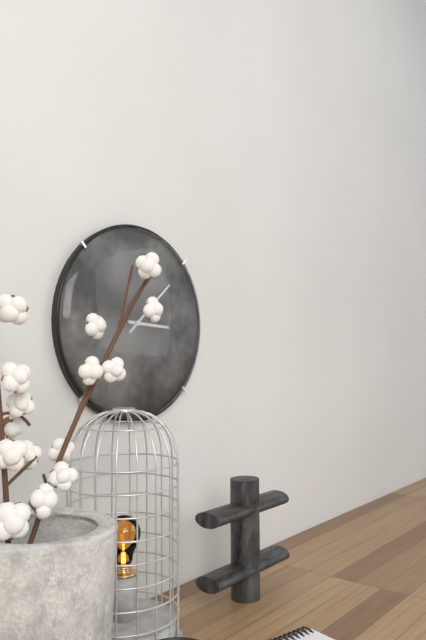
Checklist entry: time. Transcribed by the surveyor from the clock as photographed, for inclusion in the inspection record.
3:08
